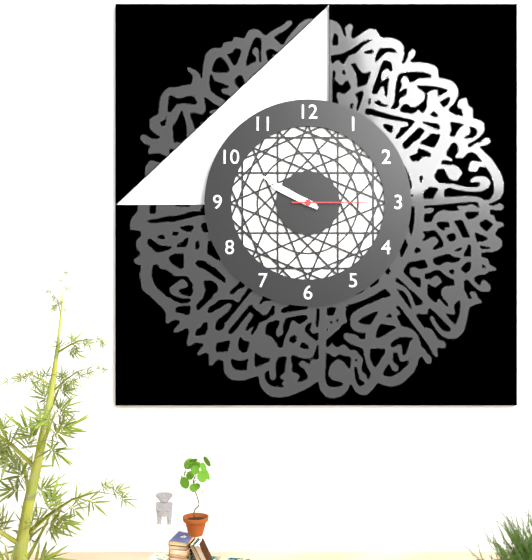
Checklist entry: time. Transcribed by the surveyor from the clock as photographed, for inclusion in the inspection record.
9:50:15
